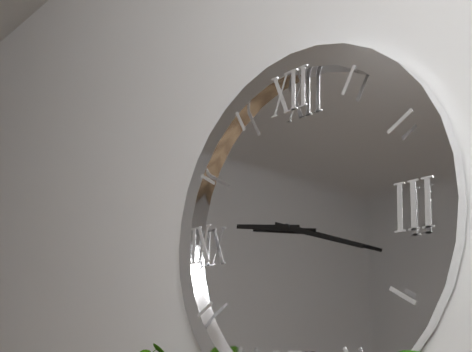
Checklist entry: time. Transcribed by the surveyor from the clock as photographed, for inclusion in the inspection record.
9:18
